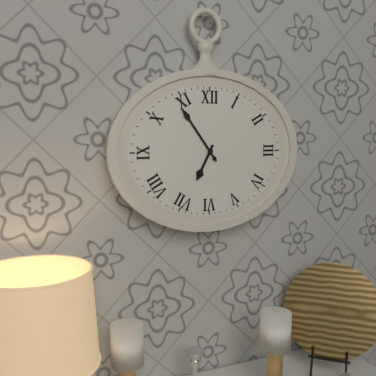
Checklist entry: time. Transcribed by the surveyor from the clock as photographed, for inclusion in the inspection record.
6:54
